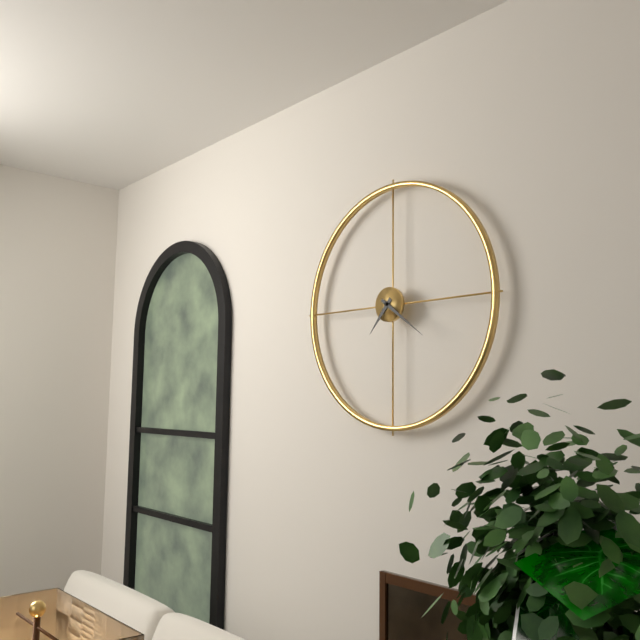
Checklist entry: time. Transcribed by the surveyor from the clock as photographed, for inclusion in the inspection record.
7:21
